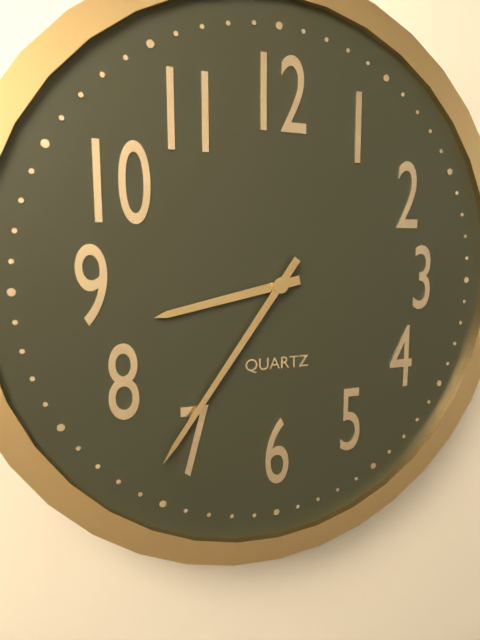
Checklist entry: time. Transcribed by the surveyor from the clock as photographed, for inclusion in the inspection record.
8:36
